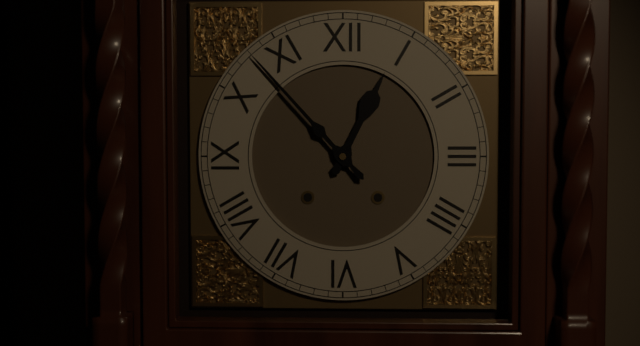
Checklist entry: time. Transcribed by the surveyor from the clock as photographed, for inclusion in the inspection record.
12:53
